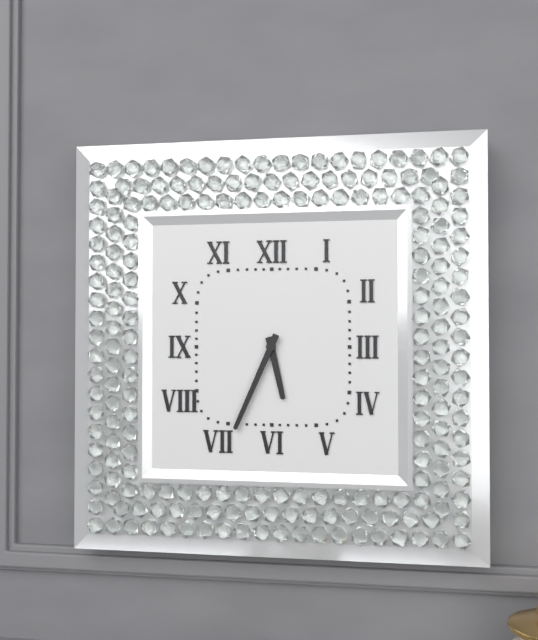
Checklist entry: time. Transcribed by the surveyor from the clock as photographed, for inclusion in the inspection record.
5:34
